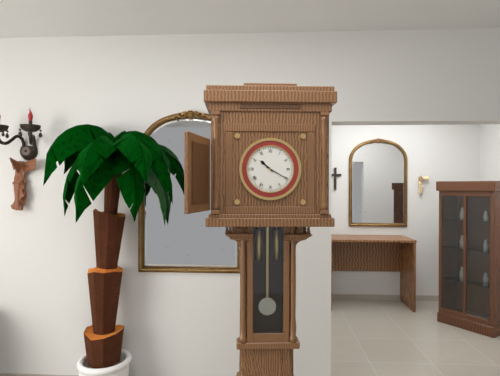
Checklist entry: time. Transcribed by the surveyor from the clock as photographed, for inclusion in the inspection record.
10:20
